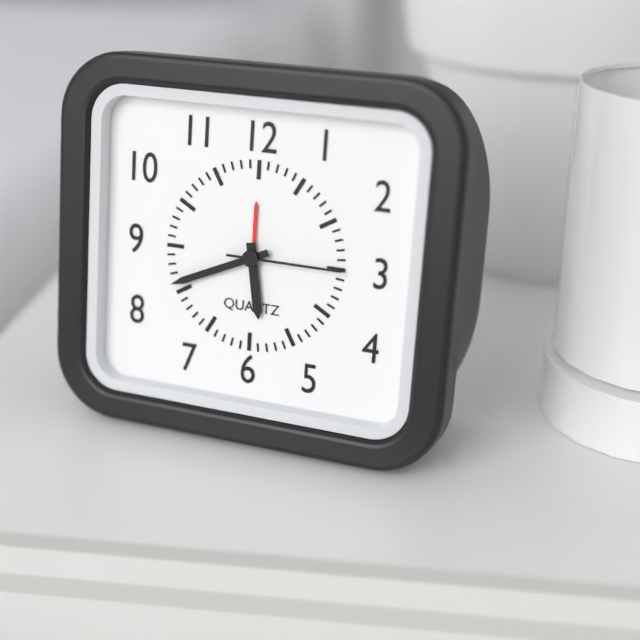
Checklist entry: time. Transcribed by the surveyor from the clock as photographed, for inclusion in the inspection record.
5:41:15
